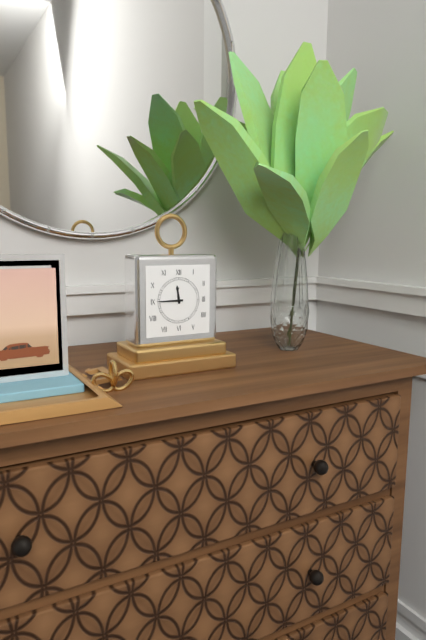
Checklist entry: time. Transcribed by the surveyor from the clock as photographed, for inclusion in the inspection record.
11:45
